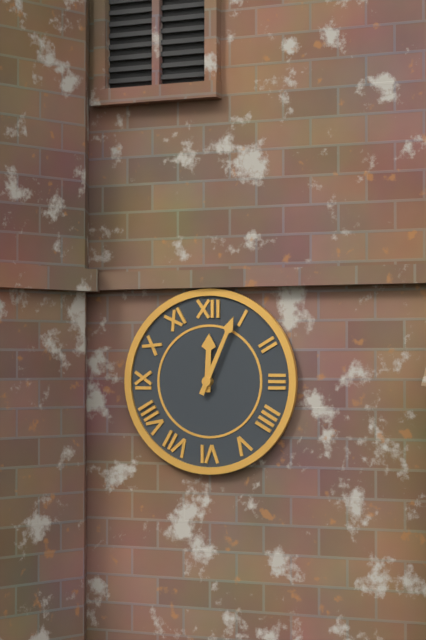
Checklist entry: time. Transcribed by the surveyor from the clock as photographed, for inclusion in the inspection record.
12:04
